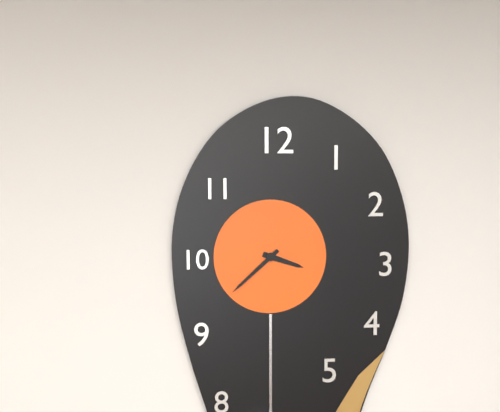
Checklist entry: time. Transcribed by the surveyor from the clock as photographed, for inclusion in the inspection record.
3:38
